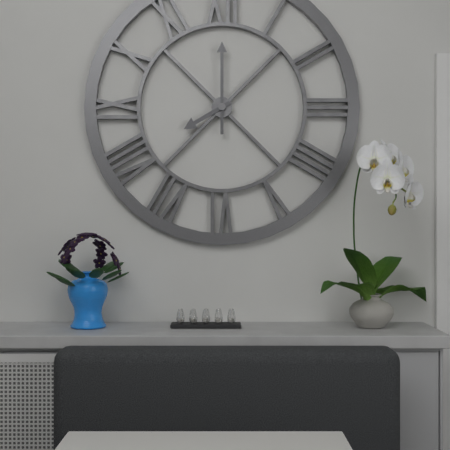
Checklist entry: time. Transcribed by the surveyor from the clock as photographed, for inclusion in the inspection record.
8:00
